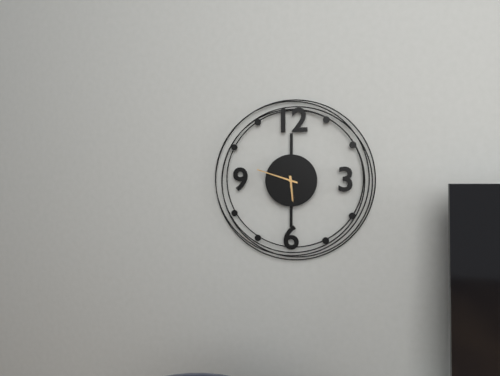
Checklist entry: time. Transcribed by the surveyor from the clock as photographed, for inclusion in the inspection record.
5:48
